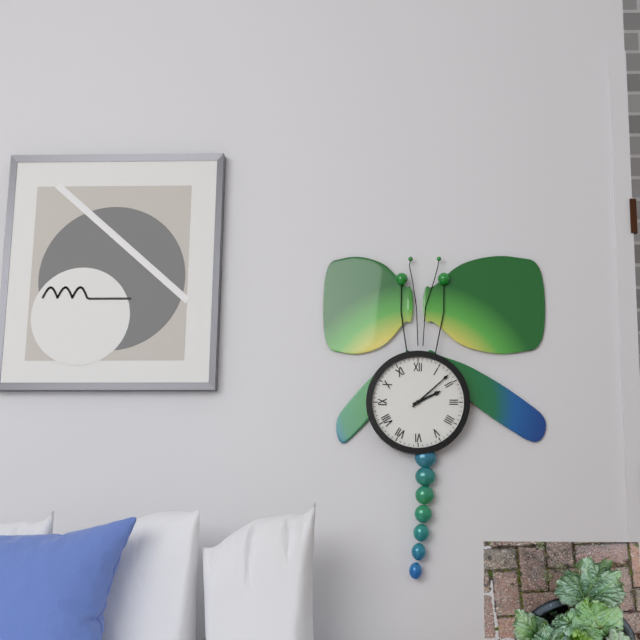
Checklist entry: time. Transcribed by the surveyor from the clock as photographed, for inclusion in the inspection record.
2:08
